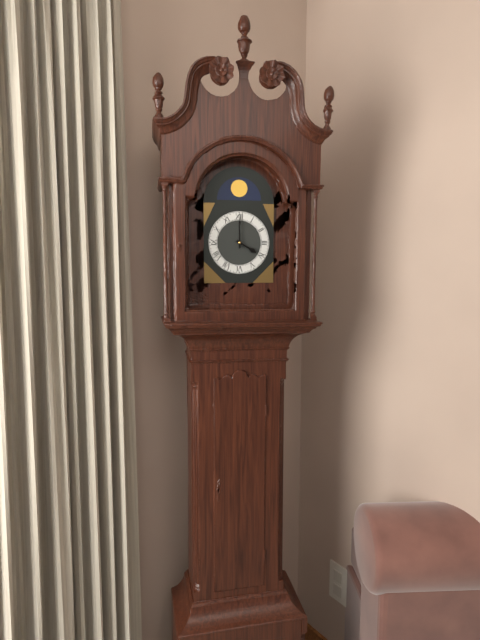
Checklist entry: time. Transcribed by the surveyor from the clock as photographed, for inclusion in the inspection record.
4:00
